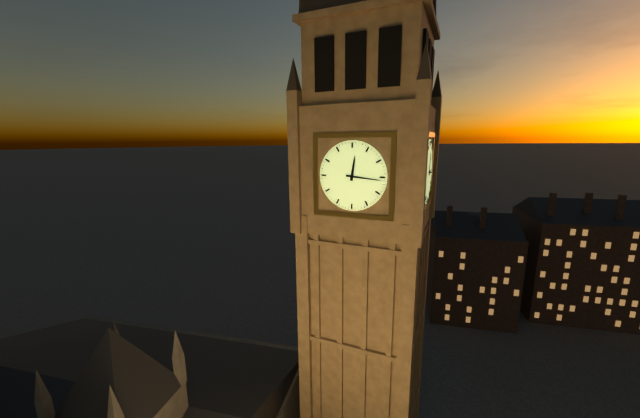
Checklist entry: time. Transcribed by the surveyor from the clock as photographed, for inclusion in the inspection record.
12:16
